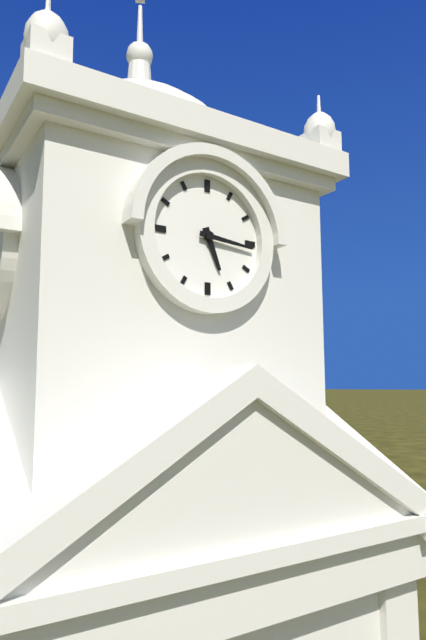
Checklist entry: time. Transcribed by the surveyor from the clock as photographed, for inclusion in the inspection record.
5:16
